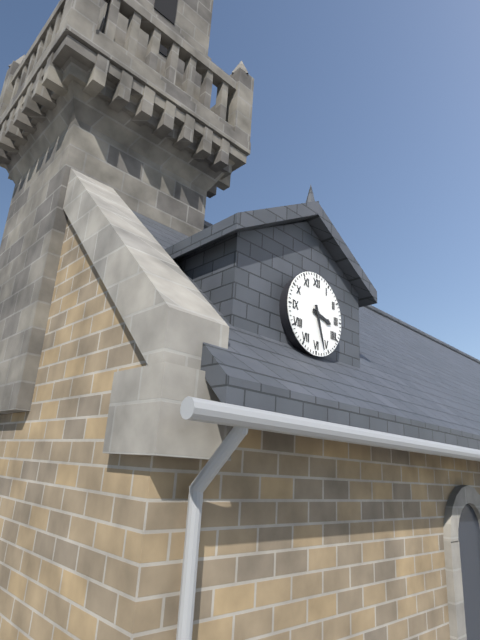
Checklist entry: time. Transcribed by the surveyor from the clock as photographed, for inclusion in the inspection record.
3:27
